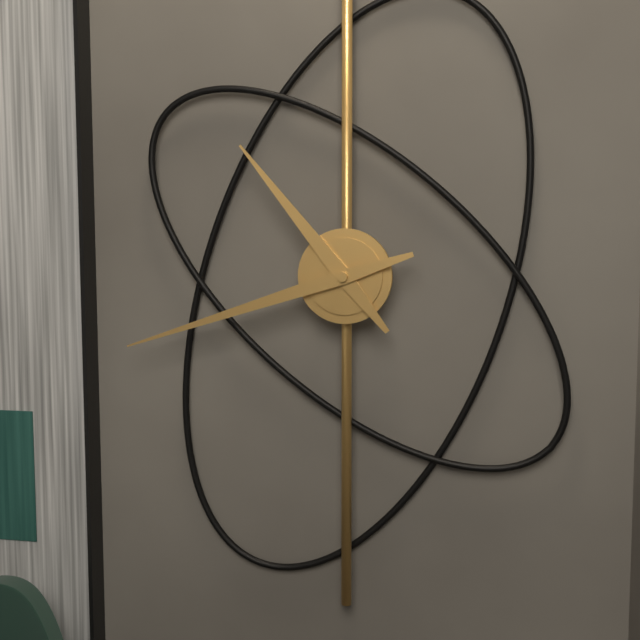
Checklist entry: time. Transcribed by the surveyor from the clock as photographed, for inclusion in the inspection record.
10:42
